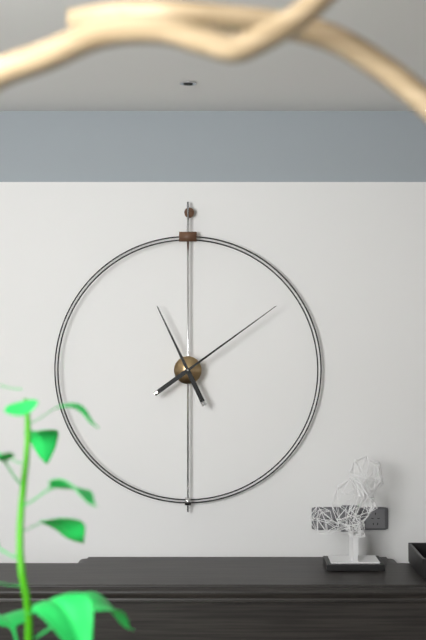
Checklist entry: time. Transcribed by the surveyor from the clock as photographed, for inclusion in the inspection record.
11:09
